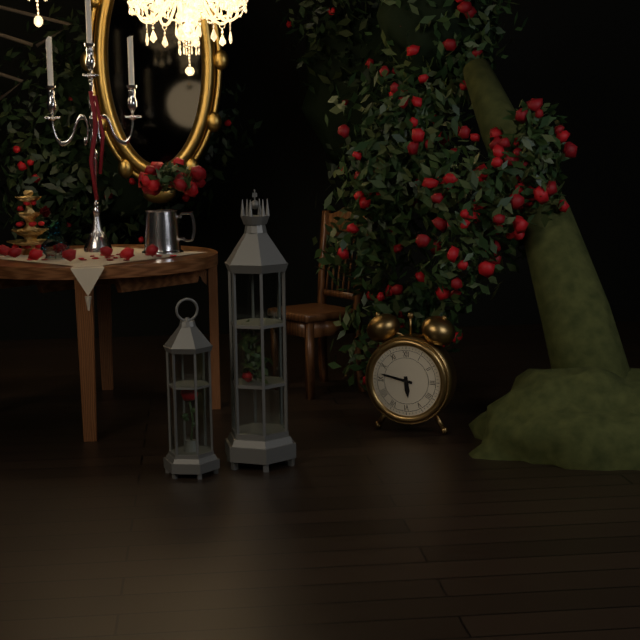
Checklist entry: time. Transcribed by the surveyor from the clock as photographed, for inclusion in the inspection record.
5:47
